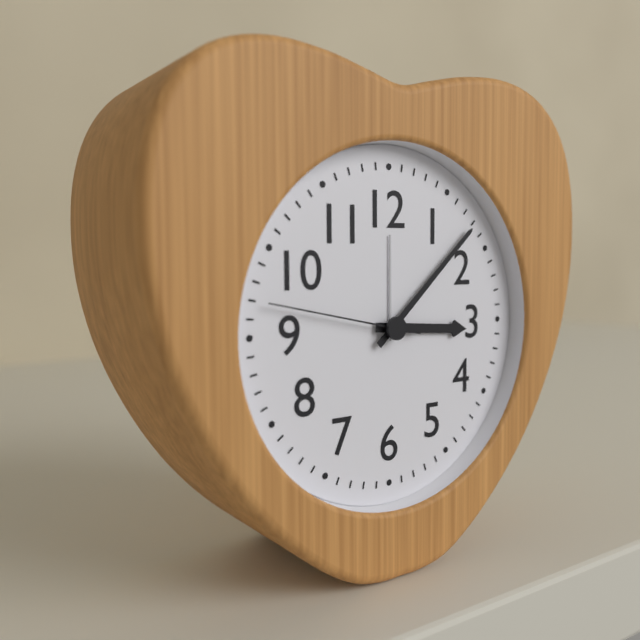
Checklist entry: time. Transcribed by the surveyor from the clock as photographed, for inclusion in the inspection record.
3:08:47
